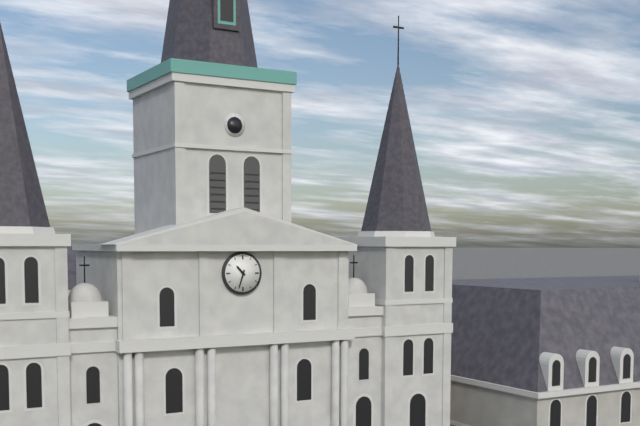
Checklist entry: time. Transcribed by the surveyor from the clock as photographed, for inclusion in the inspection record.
10:33
